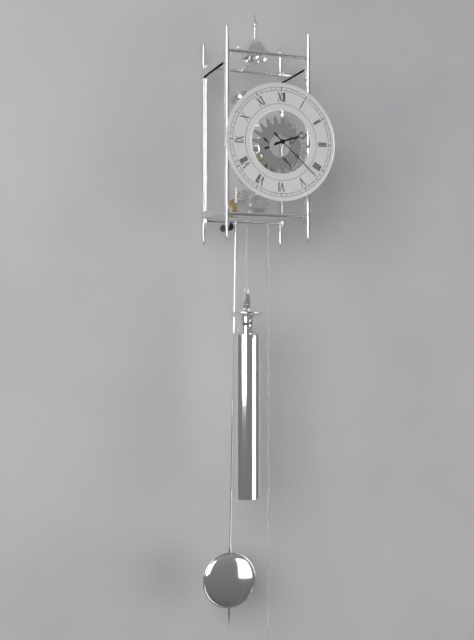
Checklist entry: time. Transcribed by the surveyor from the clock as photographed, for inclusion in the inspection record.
2:22
